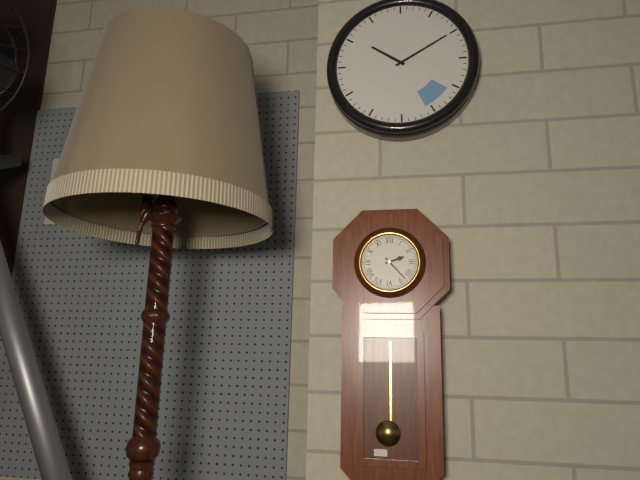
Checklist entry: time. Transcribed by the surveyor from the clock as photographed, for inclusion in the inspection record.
2:23
